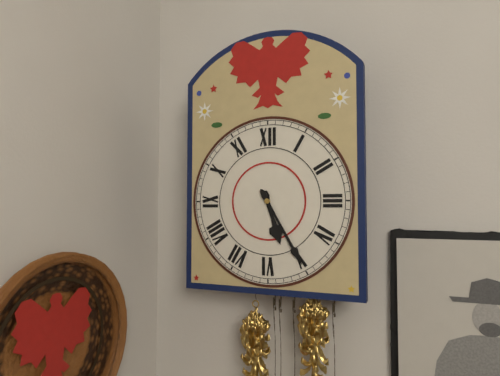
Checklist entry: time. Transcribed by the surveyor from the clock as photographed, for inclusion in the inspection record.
5:25
